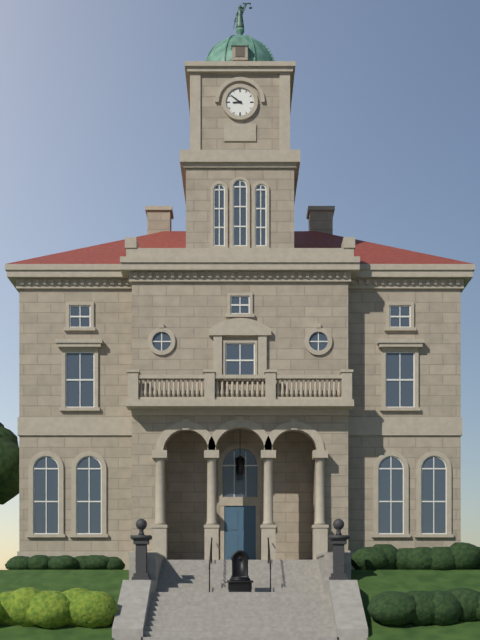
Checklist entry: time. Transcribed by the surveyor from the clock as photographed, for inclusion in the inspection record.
8:51
